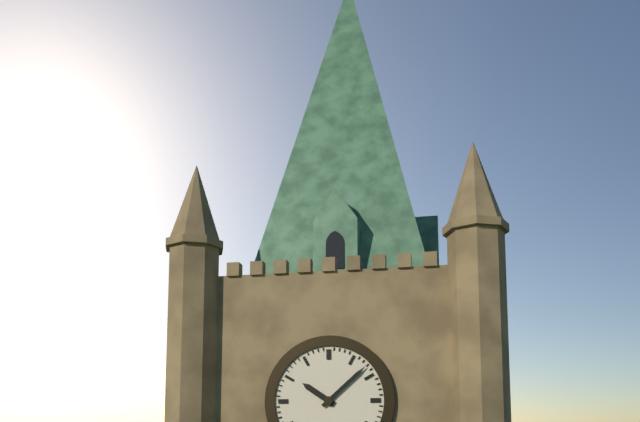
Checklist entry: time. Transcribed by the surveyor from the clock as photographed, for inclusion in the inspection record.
10:08
